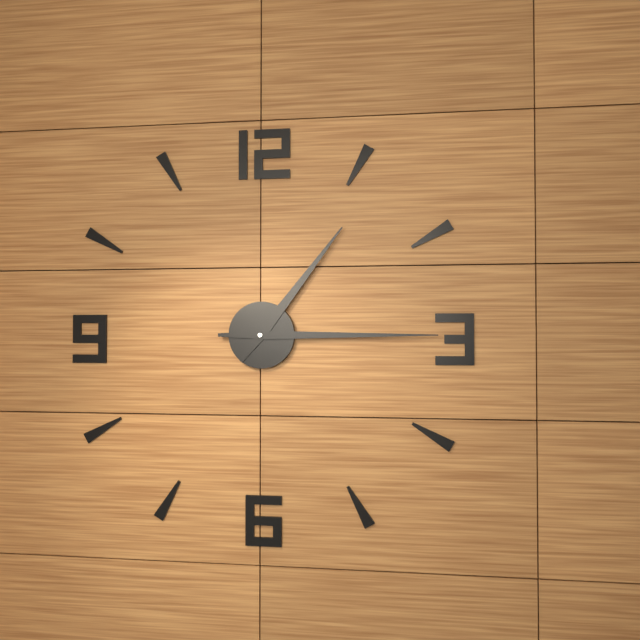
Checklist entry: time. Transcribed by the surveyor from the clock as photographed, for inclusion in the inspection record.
1:15
